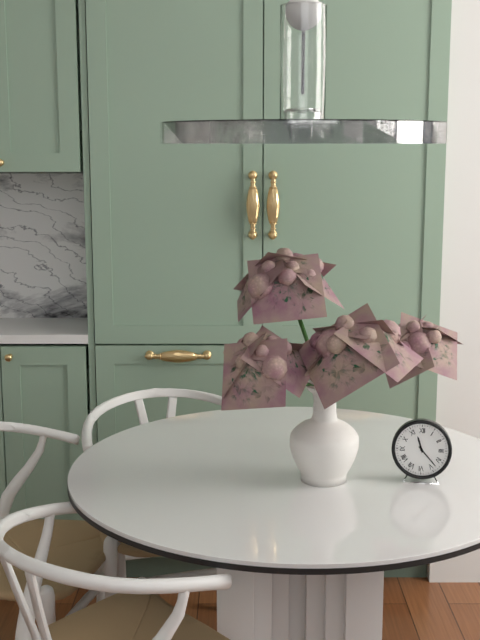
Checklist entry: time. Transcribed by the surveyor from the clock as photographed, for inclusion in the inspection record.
11:23
